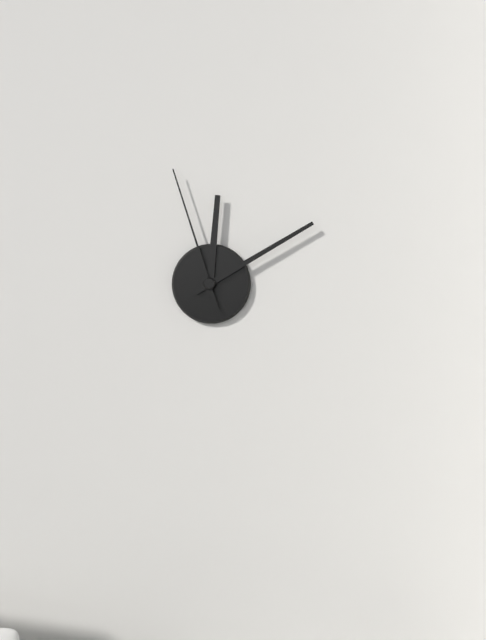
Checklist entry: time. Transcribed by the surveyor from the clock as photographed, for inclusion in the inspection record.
12:10:57
